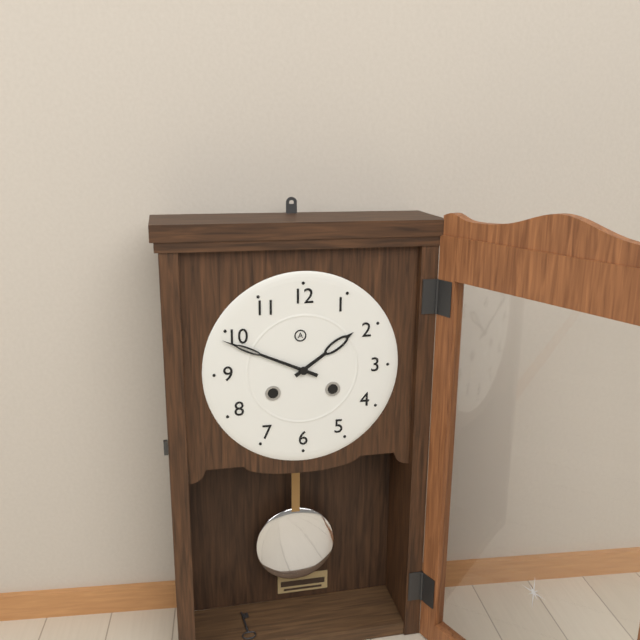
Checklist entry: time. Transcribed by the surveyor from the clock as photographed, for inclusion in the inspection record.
1:49
